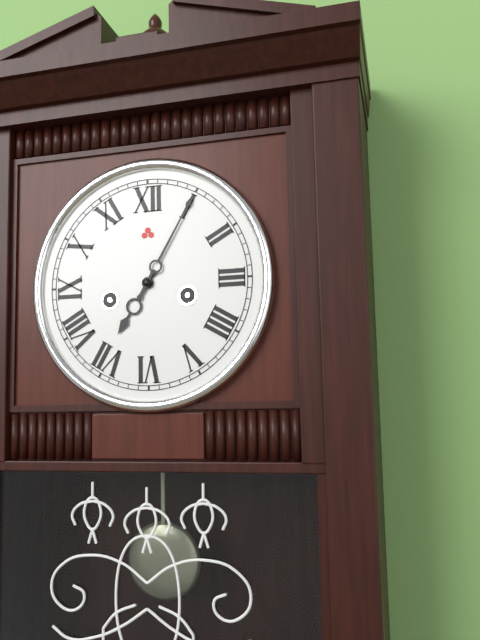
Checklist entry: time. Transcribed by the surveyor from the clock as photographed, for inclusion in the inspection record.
7:05
